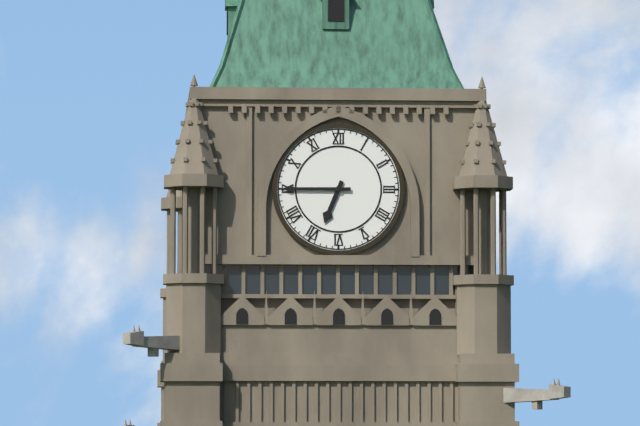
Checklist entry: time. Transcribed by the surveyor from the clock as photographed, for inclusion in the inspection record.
6:45
